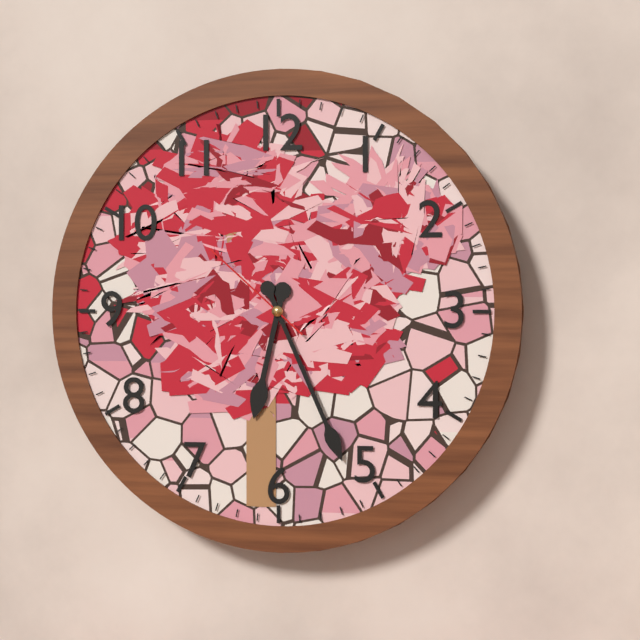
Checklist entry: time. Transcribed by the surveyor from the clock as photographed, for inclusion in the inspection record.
6:26:52
